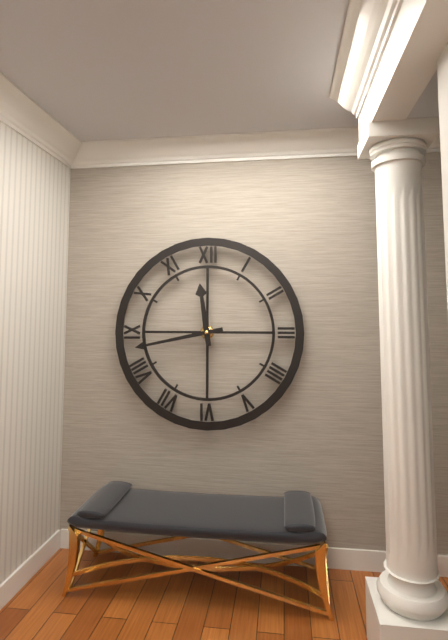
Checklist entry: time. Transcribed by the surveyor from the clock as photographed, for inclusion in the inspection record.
11:43
